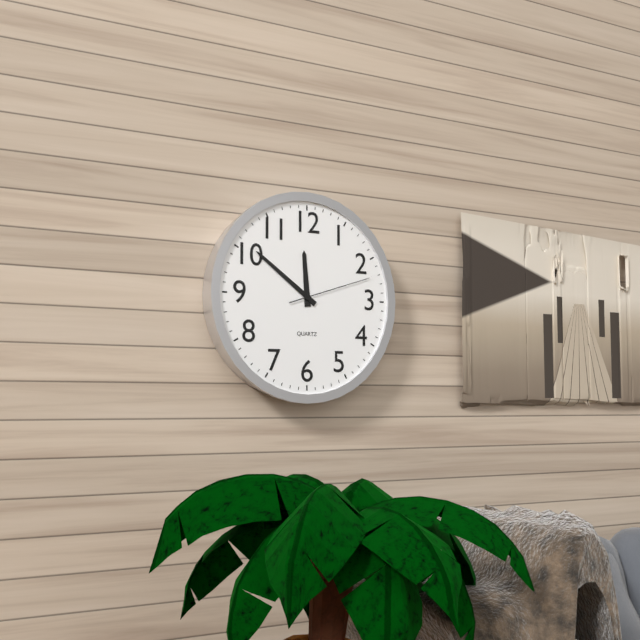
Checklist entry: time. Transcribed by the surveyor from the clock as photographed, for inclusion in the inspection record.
11:51:12
